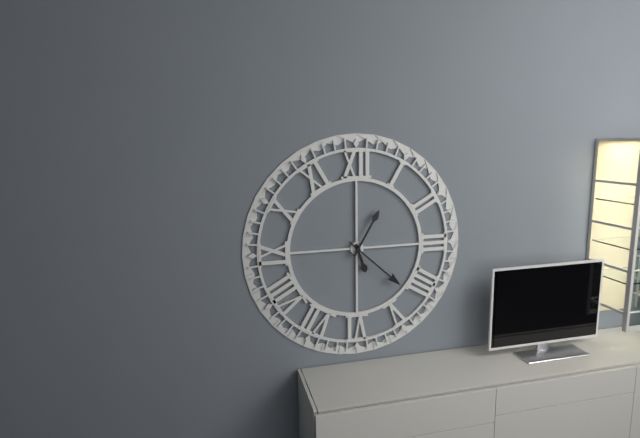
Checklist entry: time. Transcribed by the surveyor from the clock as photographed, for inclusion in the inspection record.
5:22:05
